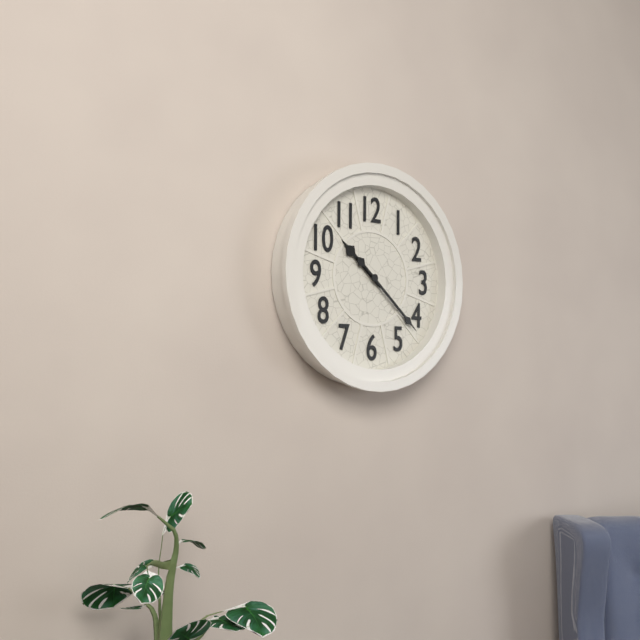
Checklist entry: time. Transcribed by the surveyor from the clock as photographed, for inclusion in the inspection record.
10:22
